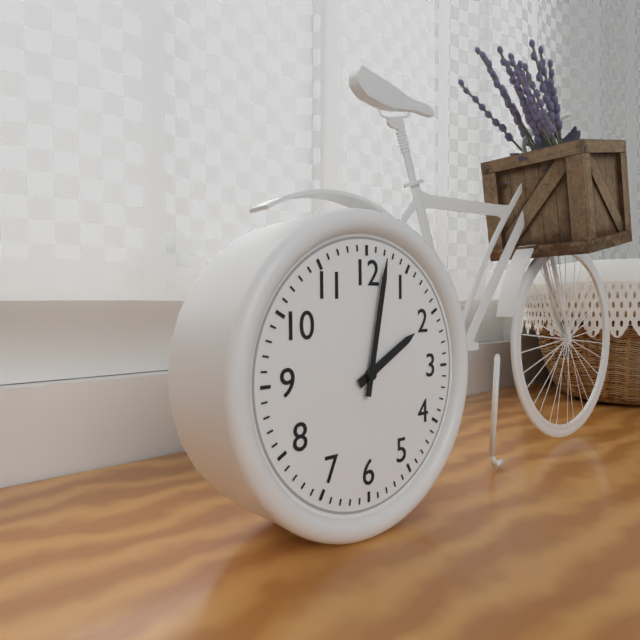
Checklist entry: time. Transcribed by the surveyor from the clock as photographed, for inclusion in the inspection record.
2:02
